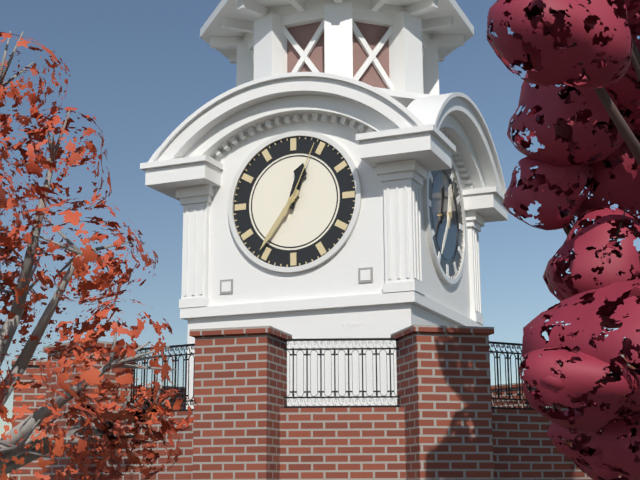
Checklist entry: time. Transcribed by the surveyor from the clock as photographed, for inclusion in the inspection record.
12:36:04
